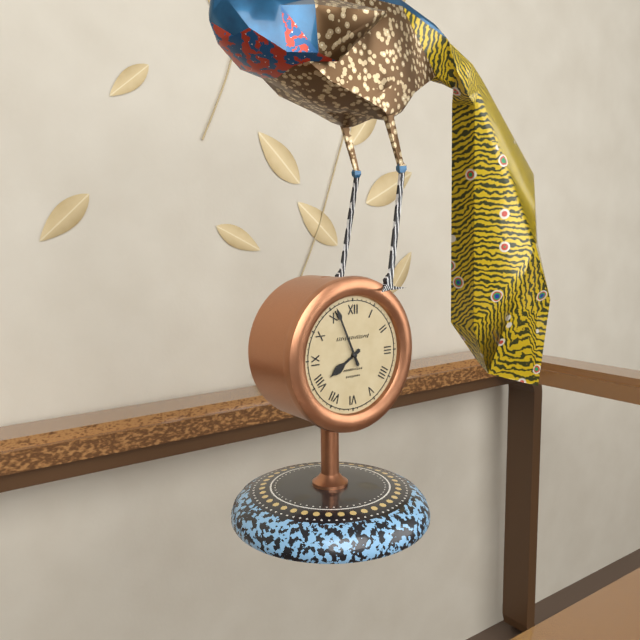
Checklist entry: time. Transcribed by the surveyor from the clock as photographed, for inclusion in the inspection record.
7:56
